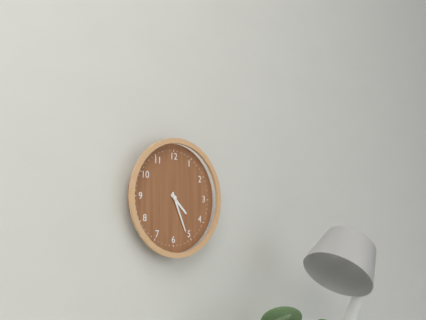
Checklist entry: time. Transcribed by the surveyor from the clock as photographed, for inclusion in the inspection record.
4:26
